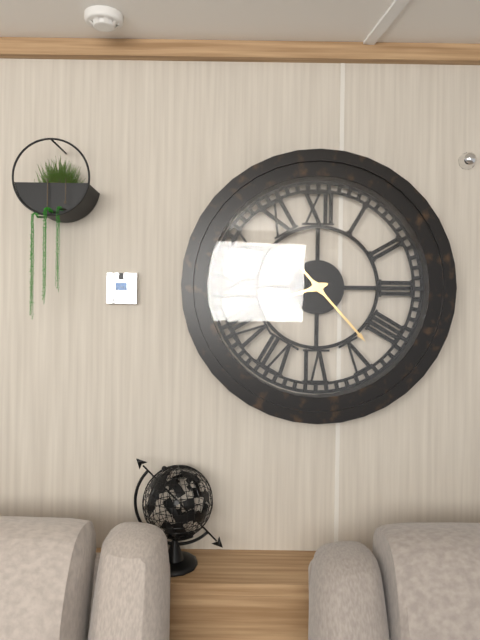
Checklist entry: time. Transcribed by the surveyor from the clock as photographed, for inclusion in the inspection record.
8:23
